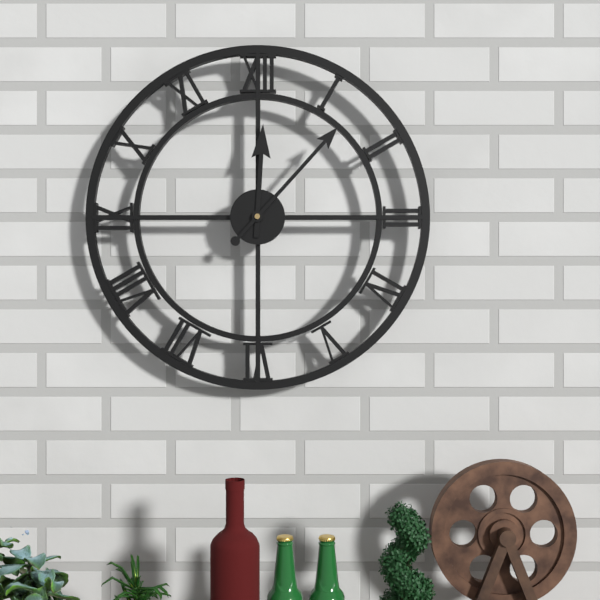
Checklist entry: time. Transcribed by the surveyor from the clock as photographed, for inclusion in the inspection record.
12:07
